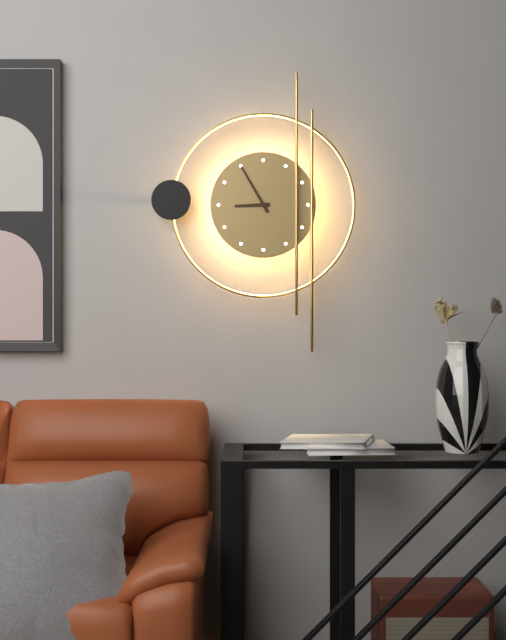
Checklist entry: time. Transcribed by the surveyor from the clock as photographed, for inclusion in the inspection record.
8:55
